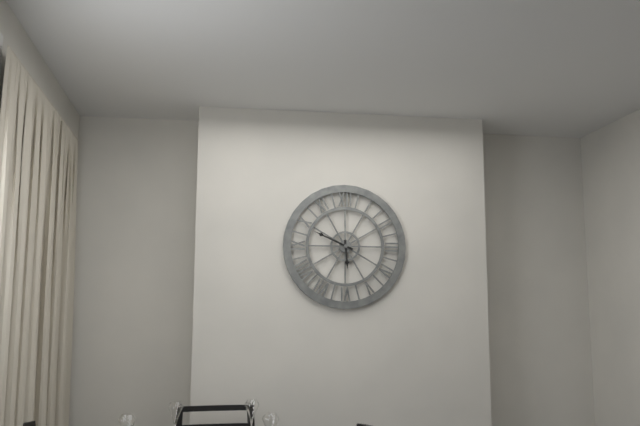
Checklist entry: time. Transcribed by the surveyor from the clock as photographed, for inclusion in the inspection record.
5:49
